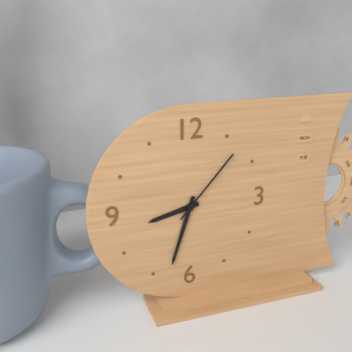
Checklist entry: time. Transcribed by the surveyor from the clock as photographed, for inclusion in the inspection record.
8:33:07
